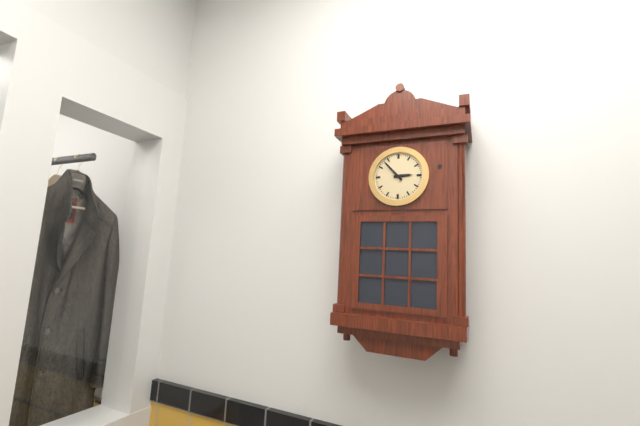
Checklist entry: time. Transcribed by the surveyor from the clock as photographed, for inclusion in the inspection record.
2:53
